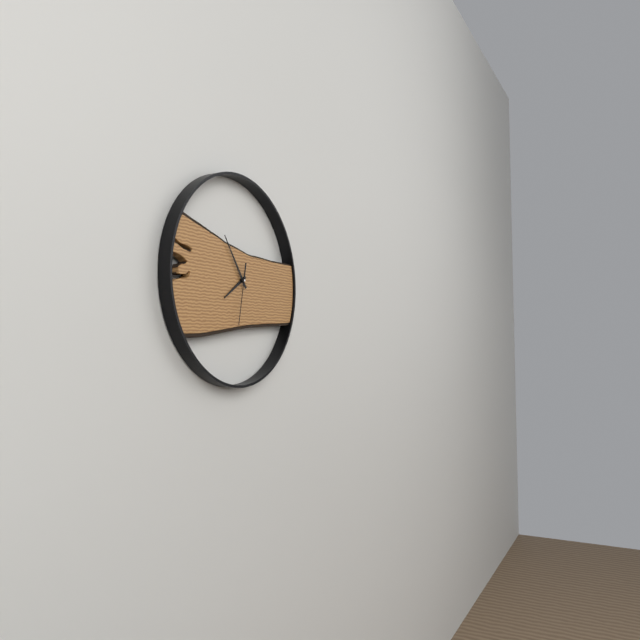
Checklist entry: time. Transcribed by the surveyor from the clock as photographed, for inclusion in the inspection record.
7:54:32
